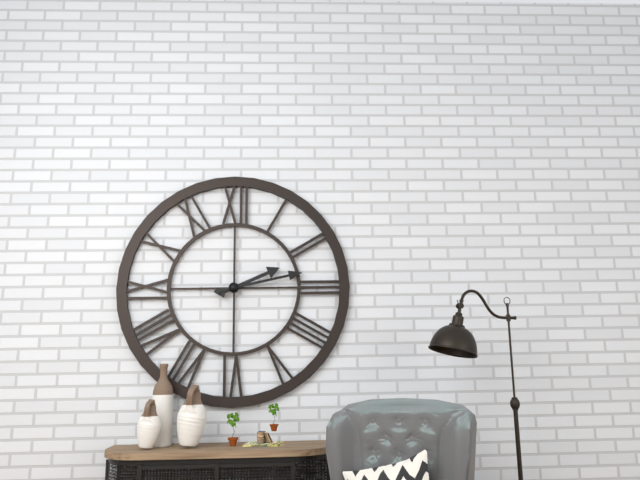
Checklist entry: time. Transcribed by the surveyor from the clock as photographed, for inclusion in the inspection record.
2:13
